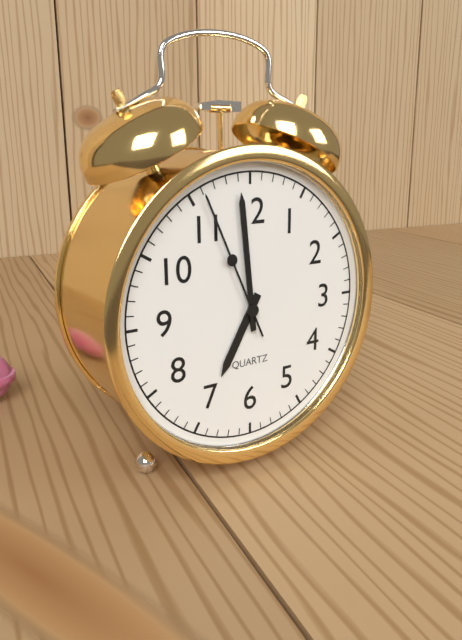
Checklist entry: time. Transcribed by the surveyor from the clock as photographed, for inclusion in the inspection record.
6:59:56
